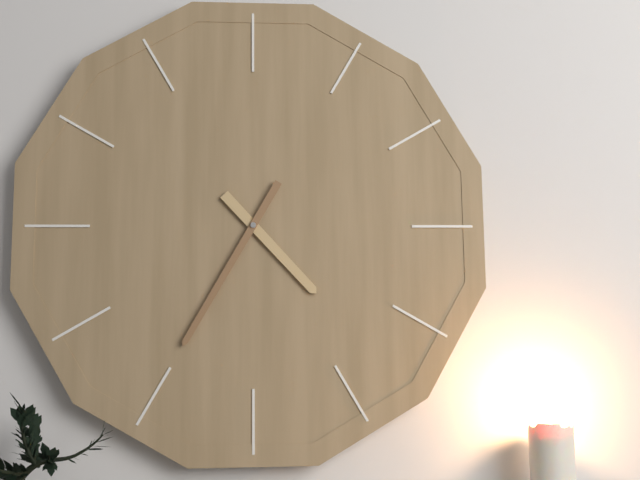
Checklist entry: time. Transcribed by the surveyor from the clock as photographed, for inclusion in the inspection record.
4:35
